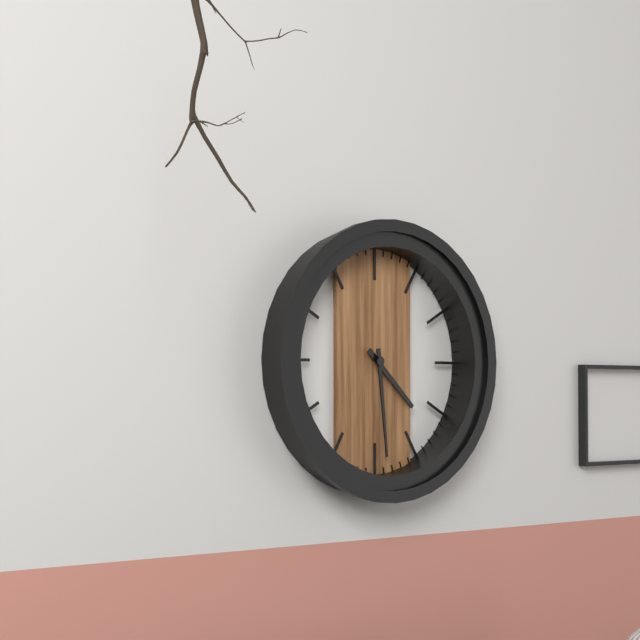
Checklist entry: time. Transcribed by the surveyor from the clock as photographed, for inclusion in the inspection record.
4:29
